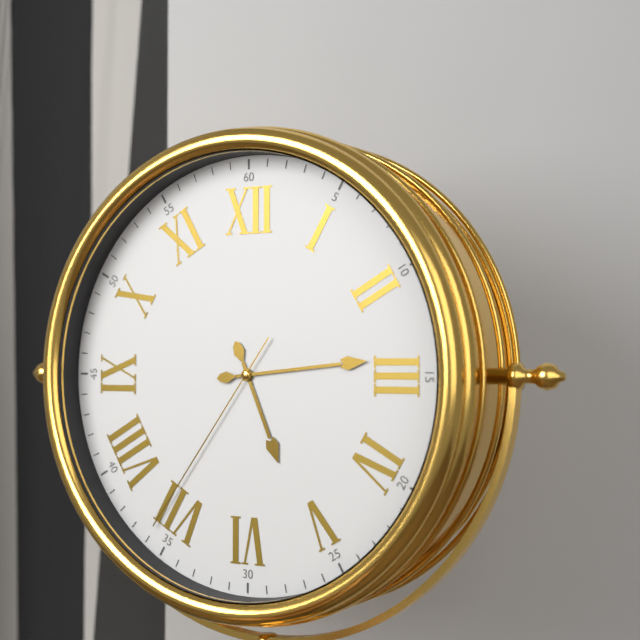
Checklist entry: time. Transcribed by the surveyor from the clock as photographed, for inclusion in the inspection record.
5:14:36
